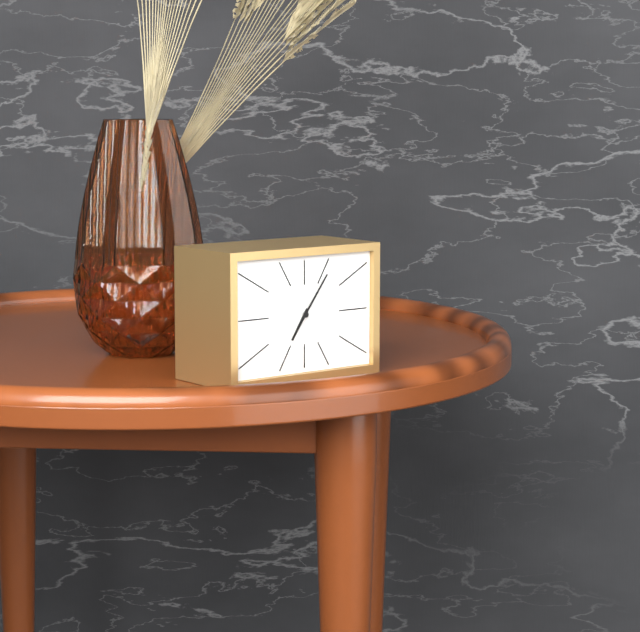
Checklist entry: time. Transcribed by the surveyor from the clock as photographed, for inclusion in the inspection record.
7:06
